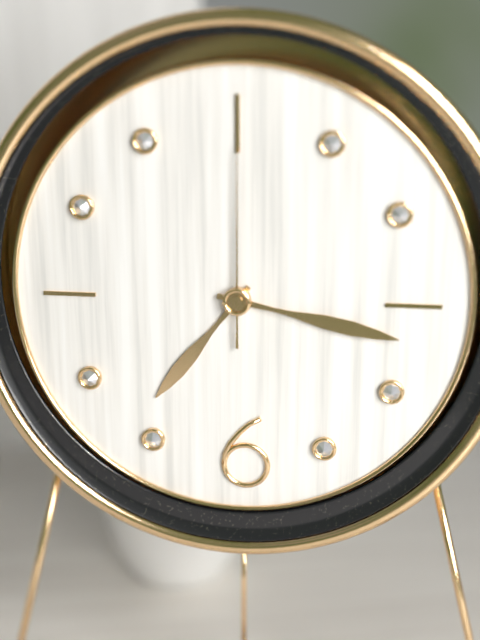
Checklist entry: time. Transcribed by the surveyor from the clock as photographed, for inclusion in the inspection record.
7:17:00
